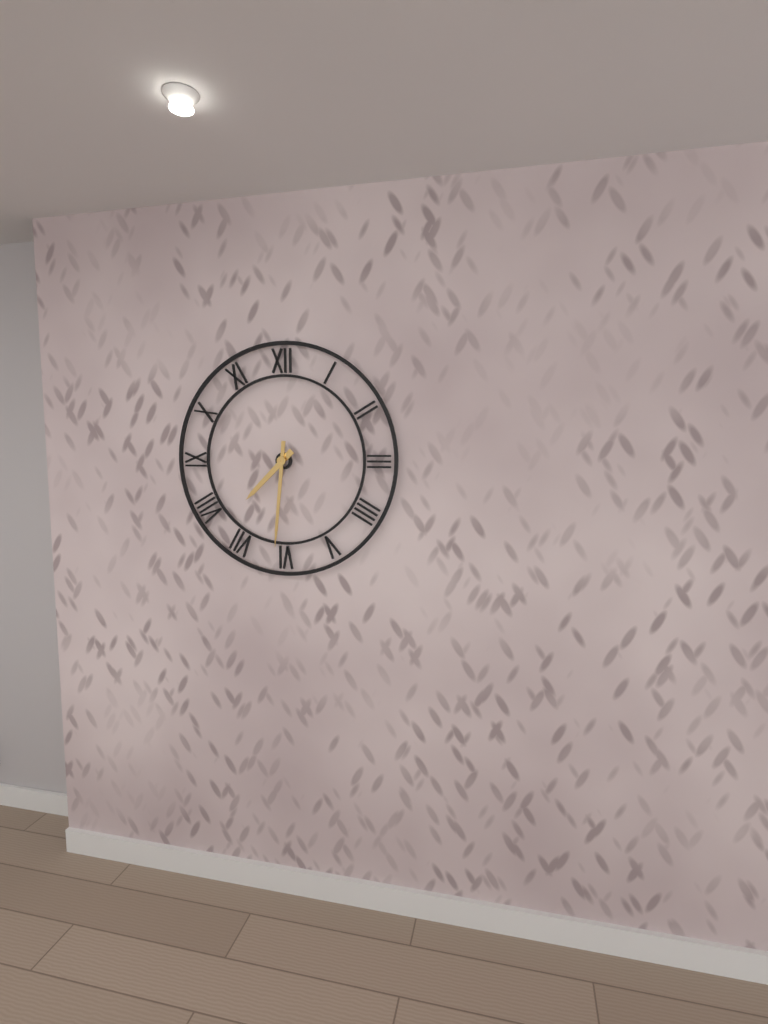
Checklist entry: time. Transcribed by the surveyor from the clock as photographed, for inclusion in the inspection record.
7:31
